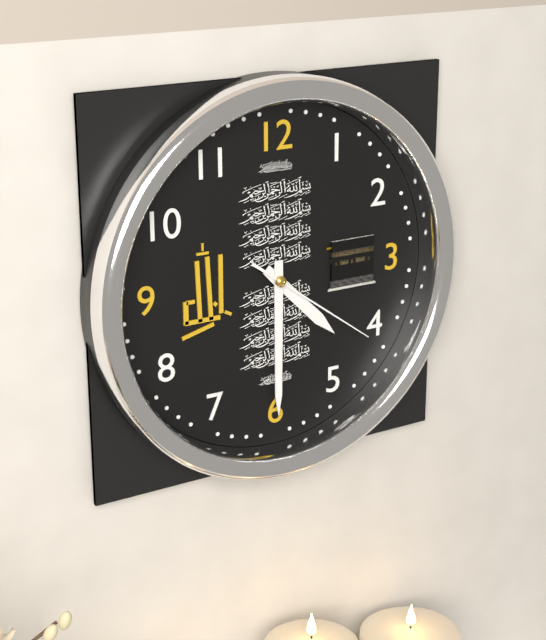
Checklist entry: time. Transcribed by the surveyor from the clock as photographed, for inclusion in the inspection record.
4:30:21
